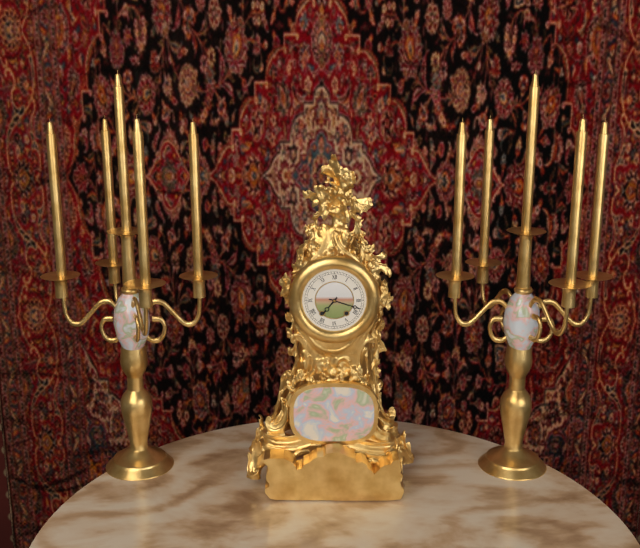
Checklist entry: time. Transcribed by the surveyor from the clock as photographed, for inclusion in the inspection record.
7:18
